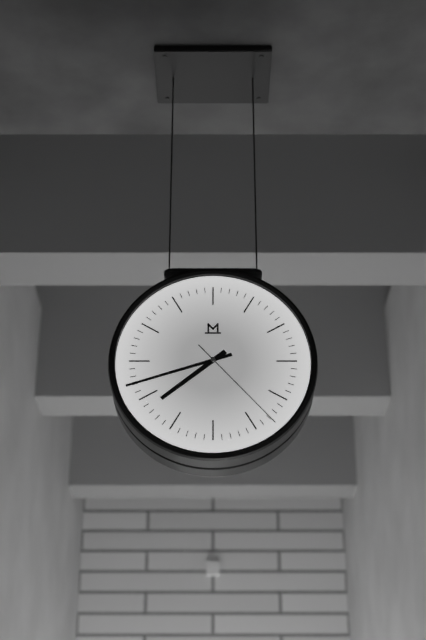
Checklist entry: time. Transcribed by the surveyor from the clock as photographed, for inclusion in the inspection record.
7:42:23
